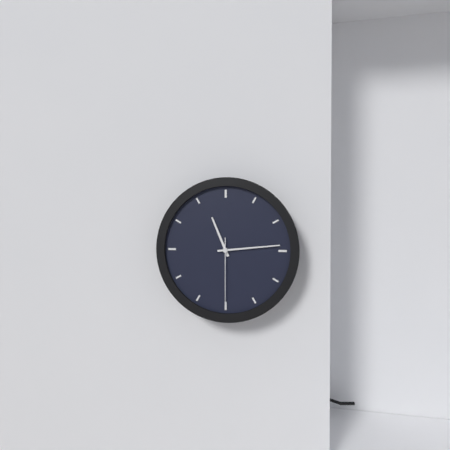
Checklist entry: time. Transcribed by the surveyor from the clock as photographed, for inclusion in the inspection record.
11:14:30
